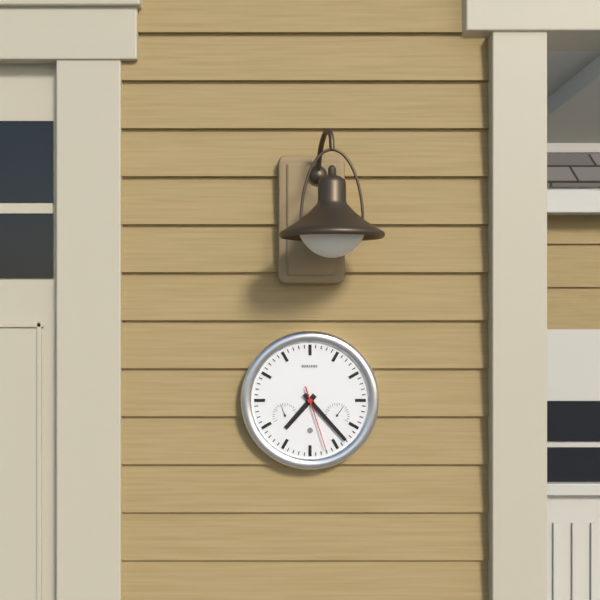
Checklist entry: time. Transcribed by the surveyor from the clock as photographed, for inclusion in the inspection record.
7:23:27
